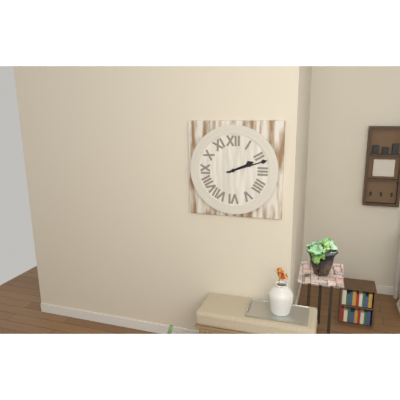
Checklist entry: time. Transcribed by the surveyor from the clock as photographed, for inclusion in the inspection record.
2:12
